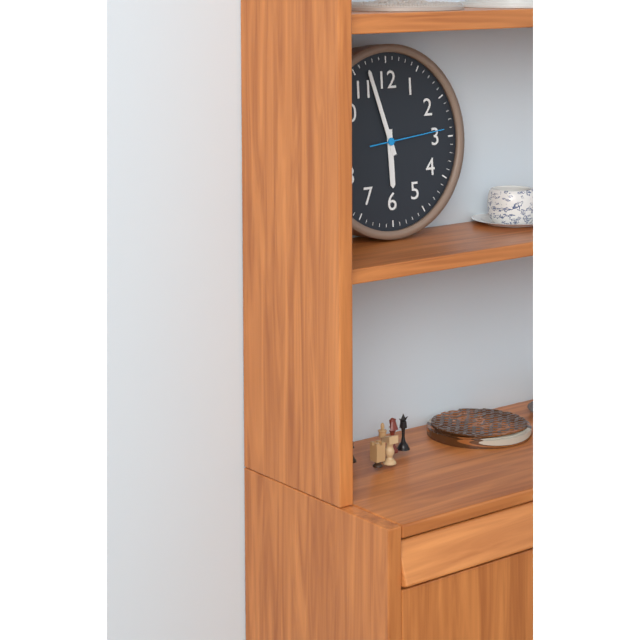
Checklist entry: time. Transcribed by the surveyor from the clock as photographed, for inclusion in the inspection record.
5:57:14
